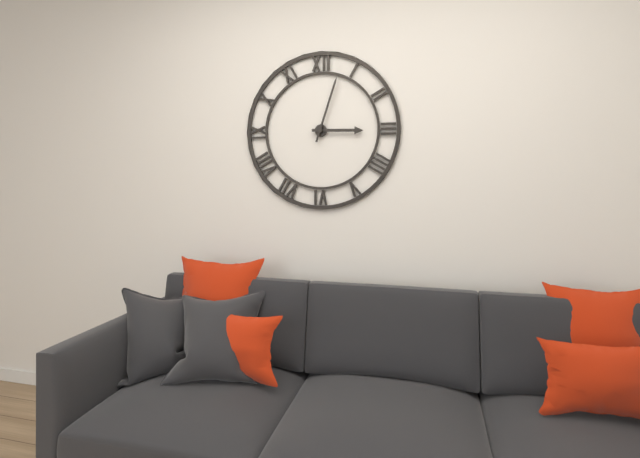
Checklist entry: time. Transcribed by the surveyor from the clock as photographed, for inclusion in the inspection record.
3:03
